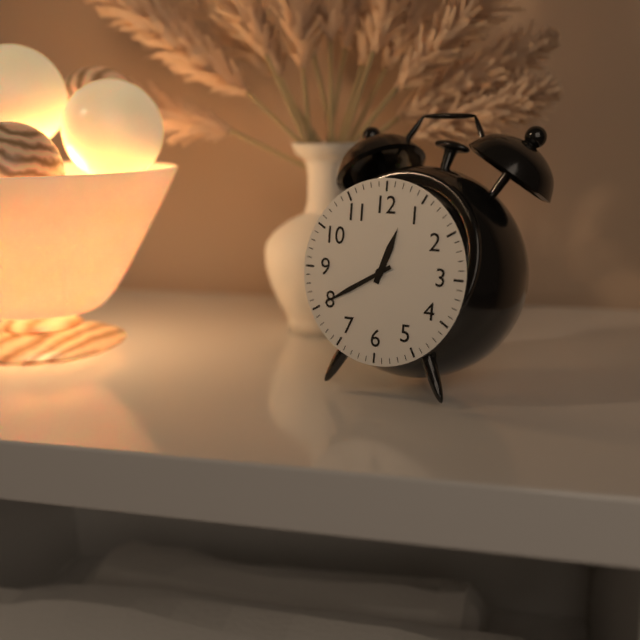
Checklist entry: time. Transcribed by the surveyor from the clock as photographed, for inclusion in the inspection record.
12:40
